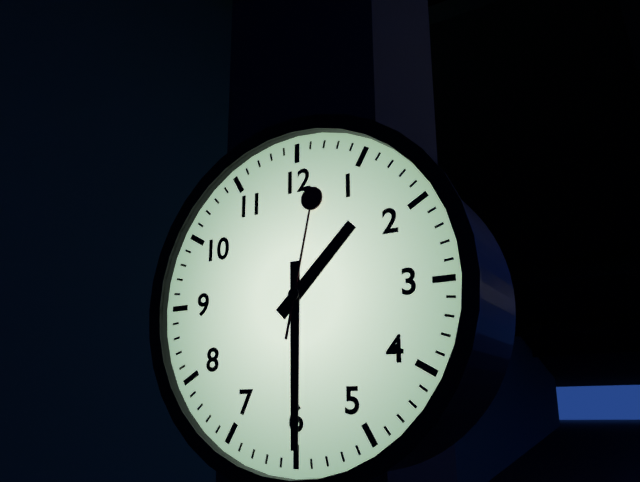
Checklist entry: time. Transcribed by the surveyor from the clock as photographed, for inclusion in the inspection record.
1:30:02
